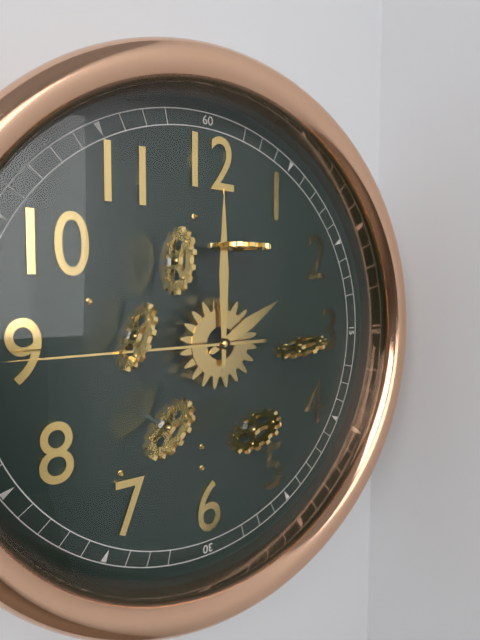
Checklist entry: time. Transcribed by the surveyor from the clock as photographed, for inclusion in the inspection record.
2:00
